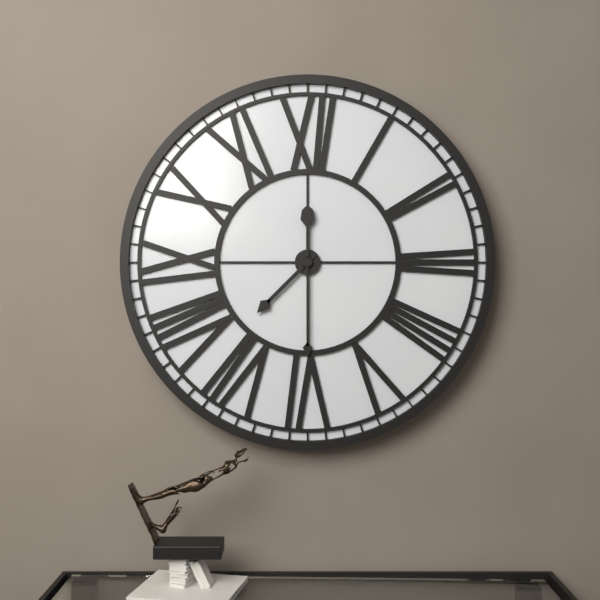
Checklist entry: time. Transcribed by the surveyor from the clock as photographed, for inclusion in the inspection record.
7:30
